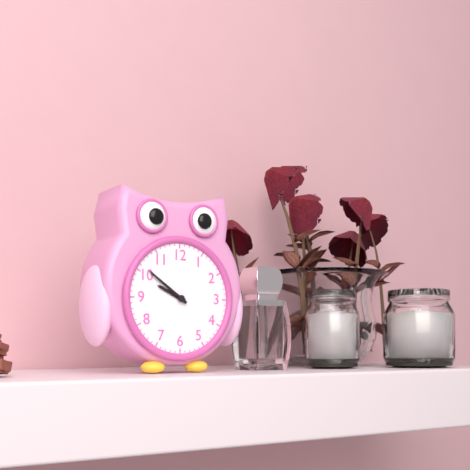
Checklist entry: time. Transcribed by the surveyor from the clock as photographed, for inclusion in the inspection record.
9:51
